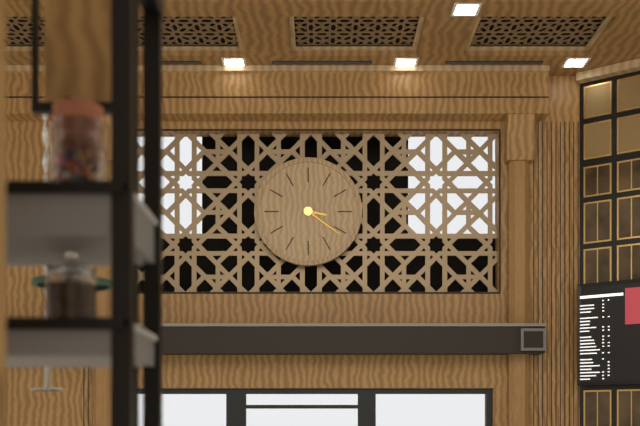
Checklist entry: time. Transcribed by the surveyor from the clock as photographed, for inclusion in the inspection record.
3:21
